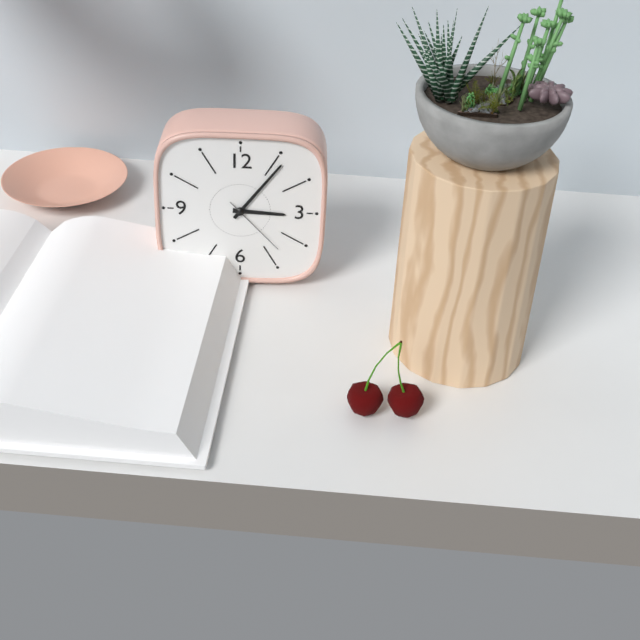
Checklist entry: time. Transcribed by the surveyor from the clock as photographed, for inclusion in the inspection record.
3:06:23
